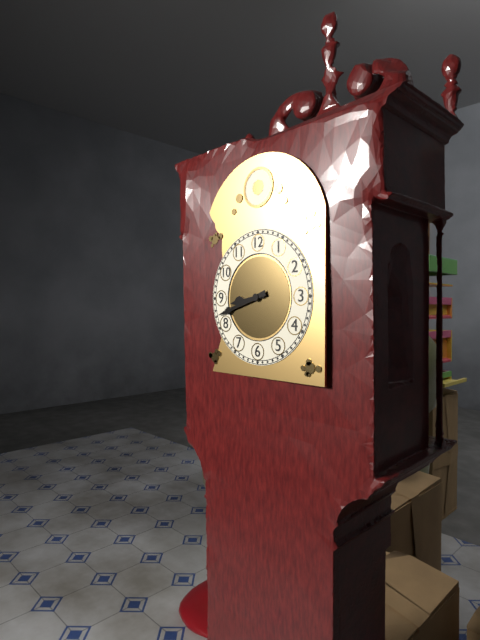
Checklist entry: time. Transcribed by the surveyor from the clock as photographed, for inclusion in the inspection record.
8:42
